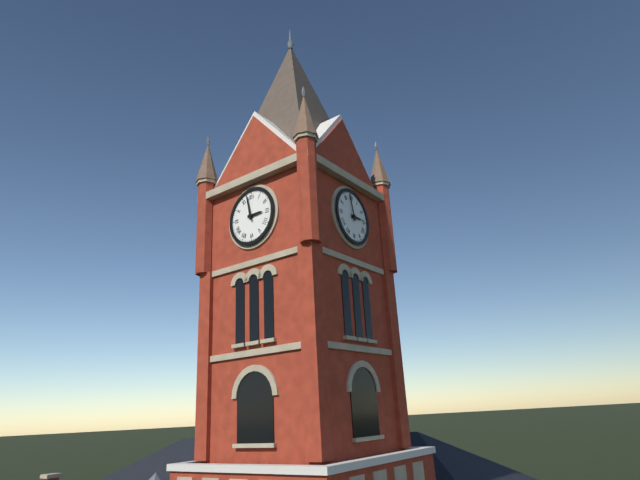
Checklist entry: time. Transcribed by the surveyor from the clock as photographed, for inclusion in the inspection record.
2:58
